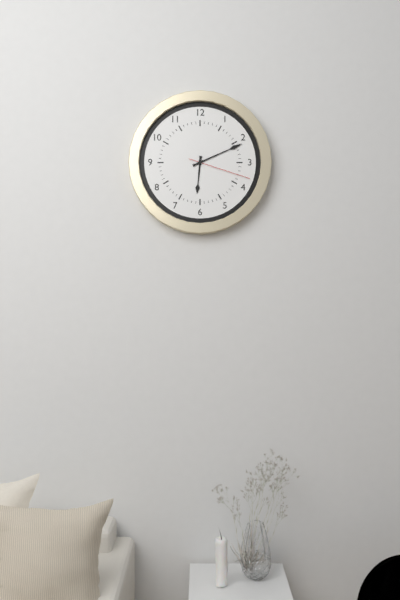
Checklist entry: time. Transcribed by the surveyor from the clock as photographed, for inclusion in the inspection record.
6:11:18
